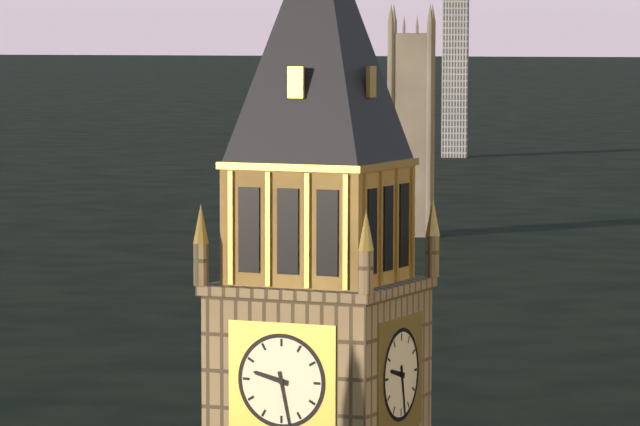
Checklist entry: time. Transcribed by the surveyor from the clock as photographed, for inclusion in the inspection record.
9:28
